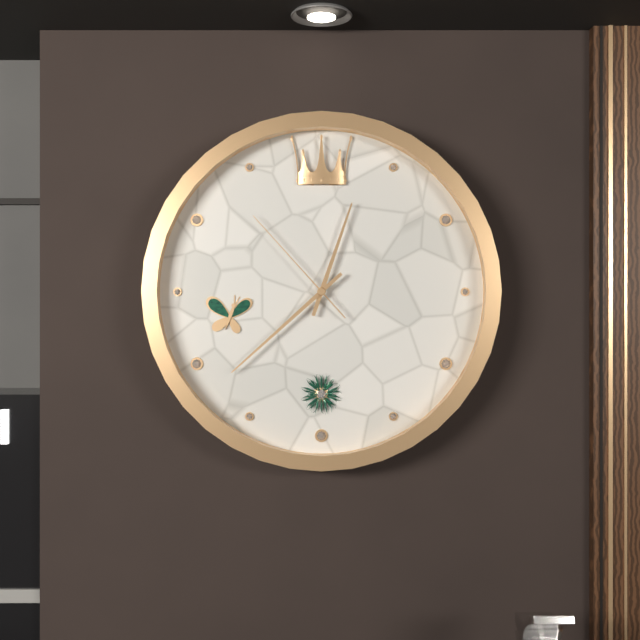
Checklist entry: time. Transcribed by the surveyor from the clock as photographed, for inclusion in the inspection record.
12:38:53
